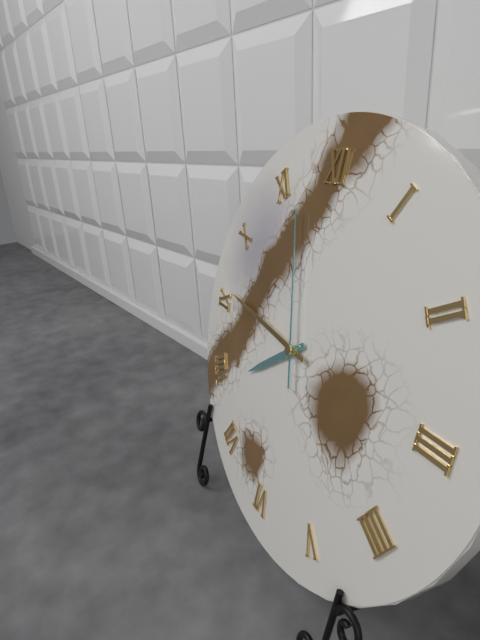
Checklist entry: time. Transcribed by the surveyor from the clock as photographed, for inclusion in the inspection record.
7:46:57
